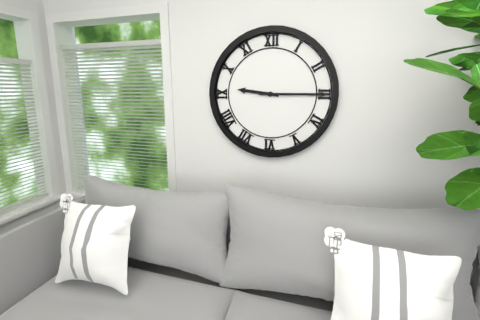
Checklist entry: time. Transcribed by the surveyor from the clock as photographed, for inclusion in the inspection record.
9:15
